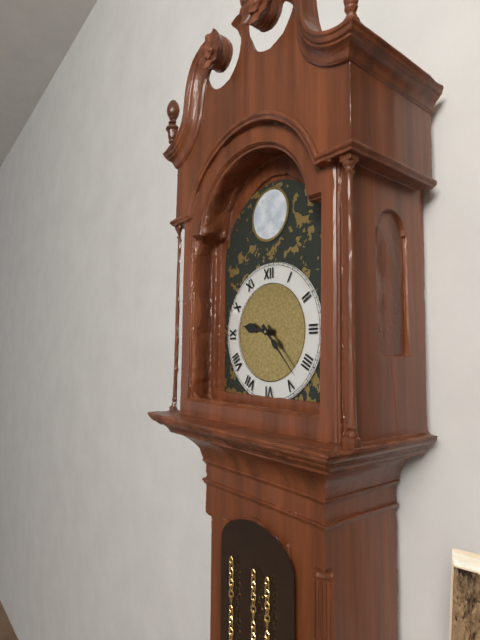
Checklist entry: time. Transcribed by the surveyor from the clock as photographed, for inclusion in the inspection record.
9:23
